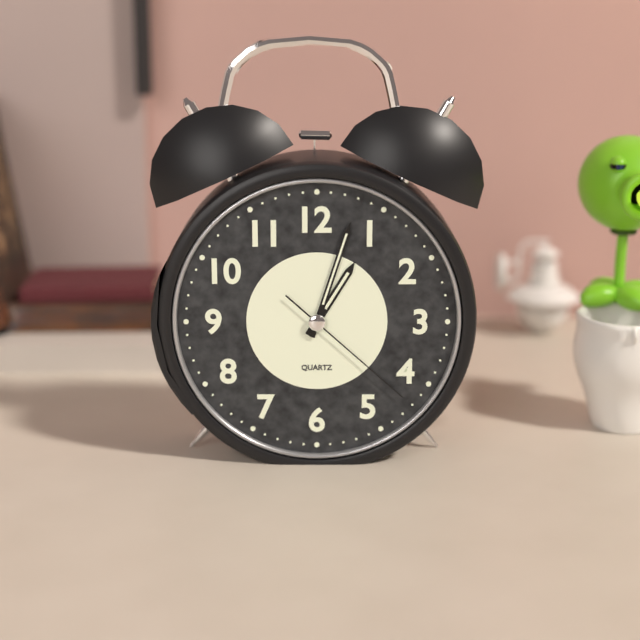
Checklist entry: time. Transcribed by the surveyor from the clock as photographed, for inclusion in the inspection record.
1:03:22
